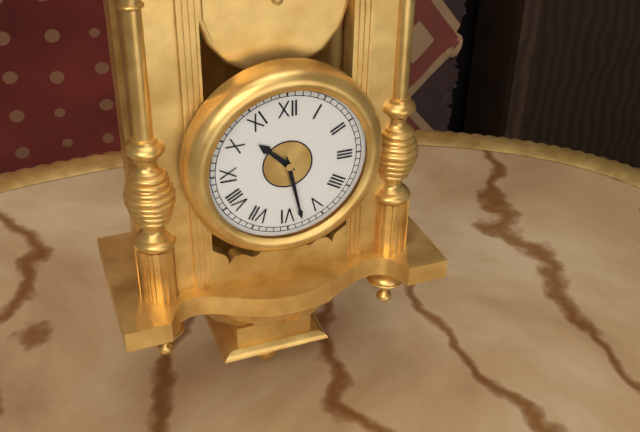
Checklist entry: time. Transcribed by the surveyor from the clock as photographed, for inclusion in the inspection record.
10:28
